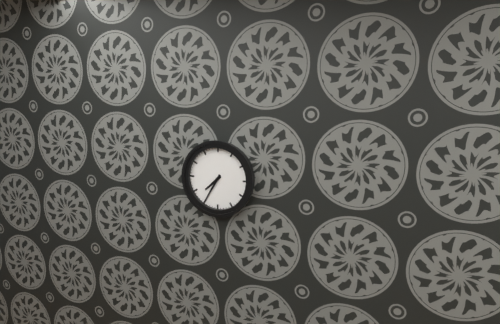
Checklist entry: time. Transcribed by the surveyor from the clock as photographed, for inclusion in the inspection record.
7:35
